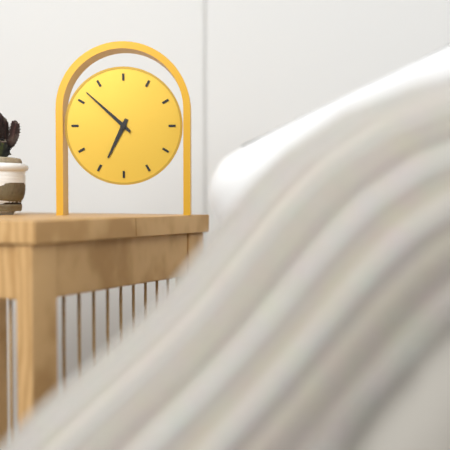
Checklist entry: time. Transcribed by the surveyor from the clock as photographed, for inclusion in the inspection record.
6:52
